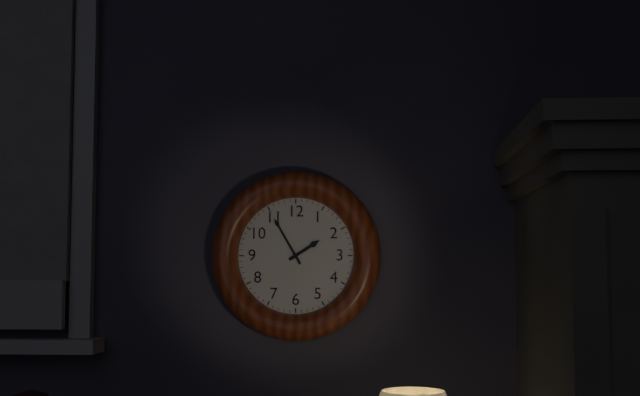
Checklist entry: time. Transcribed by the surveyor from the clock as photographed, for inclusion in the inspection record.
1:55
